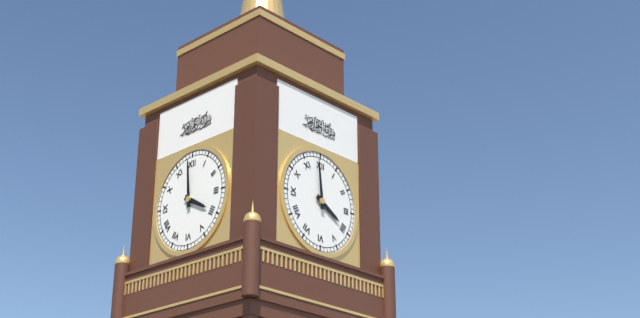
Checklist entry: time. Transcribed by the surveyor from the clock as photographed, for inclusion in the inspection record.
3:59
